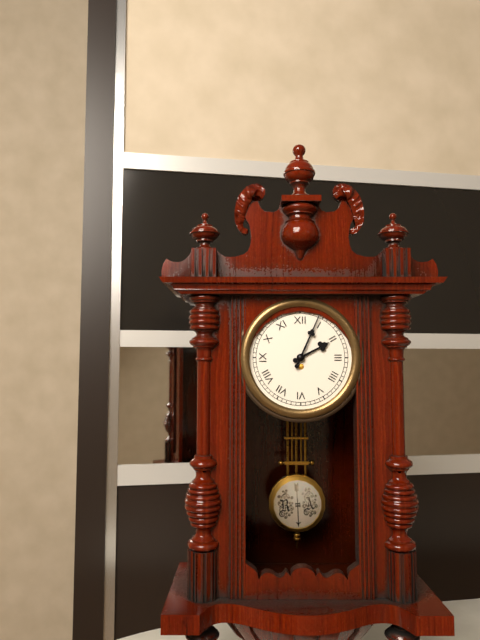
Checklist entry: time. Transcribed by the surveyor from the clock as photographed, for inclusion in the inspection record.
2:04
